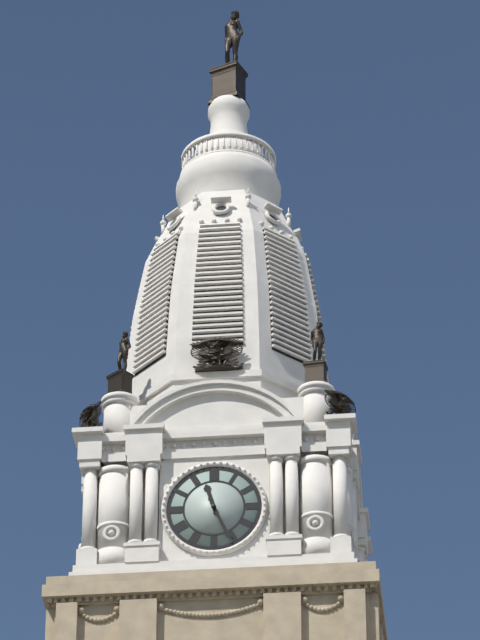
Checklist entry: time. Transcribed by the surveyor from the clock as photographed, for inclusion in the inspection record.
11:26
